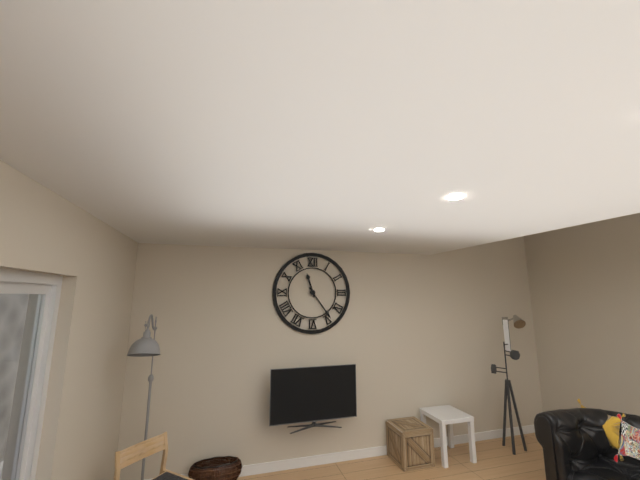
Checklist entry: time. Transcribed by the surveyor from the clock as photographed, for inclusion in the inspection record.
11:24
